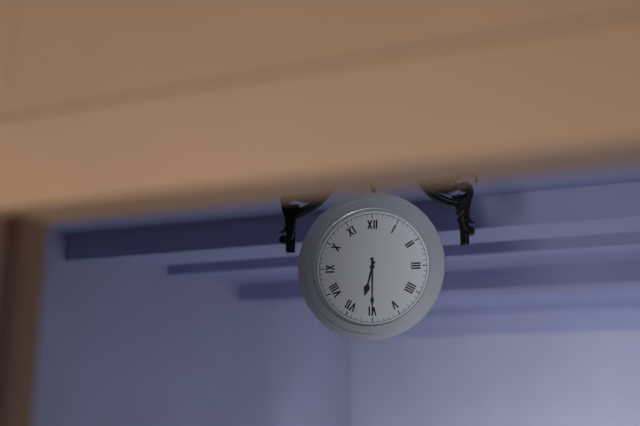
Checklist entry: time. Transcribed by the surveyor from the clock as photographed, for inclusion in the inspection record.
6:30
